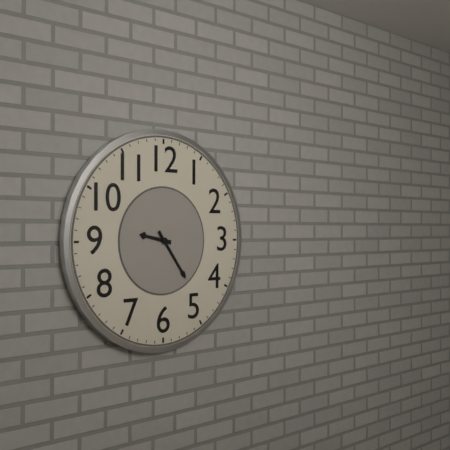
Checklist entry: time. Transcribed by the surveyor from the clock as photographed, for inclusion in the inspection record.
9:24
